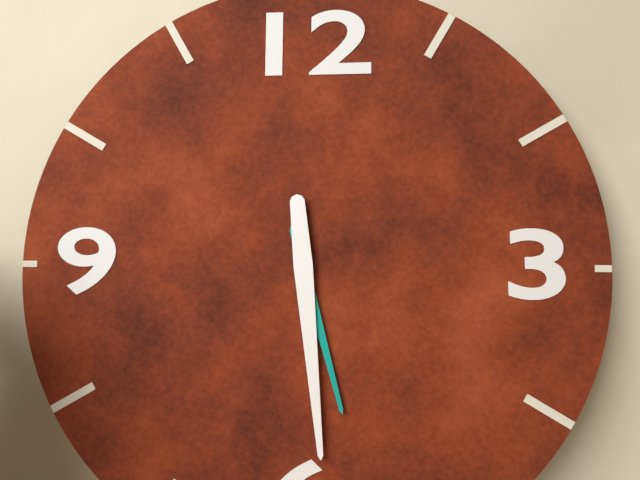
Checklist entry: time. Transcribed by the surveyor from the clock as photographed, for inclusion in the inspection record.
5:29
